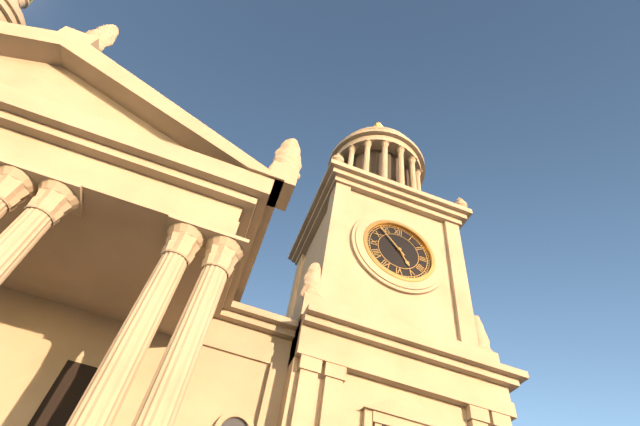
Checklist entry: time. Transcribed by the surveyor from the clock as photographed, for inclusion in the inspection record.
4:53
